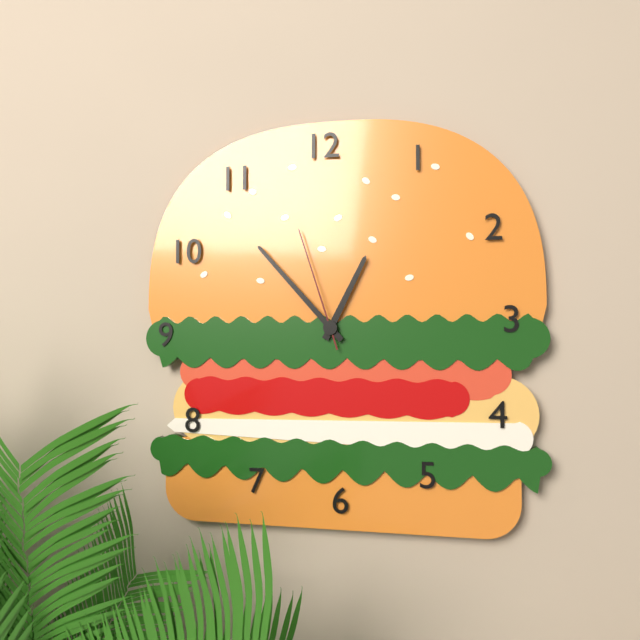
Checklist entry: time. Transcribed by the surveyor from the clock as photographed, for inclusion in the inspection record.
12:53:57
